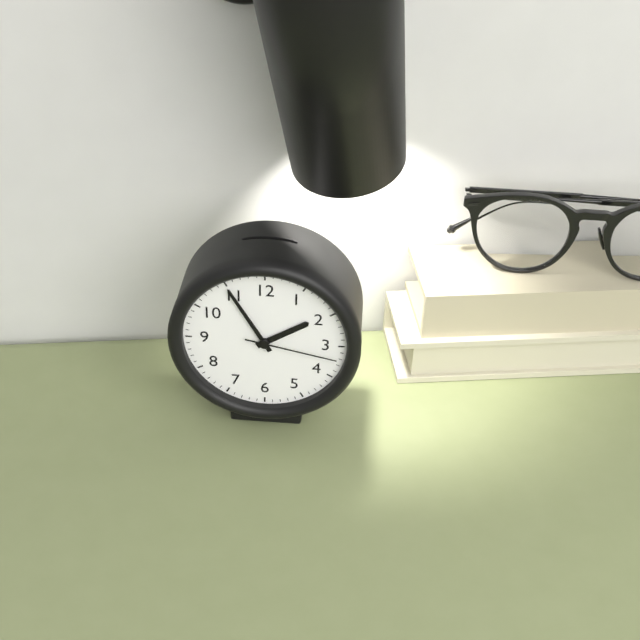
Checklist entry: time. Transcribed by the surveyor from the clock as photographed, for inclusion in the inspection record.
1:55:17
